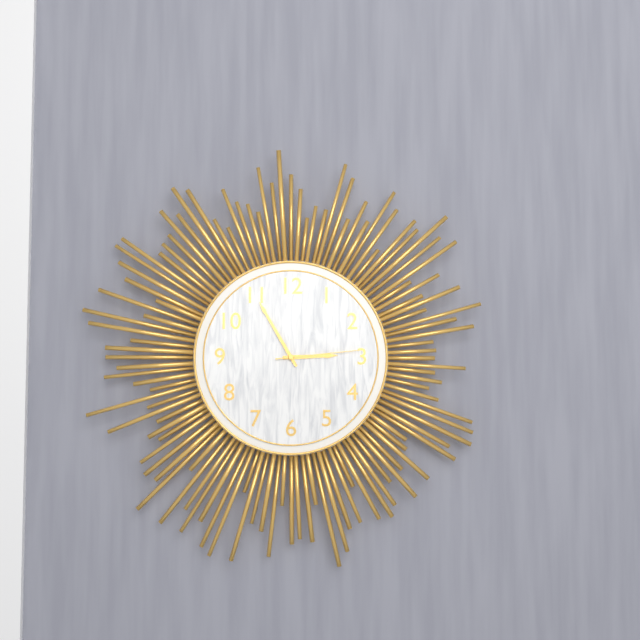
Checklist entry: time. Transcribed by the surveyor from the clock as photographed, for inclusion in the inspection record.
2:55:14
